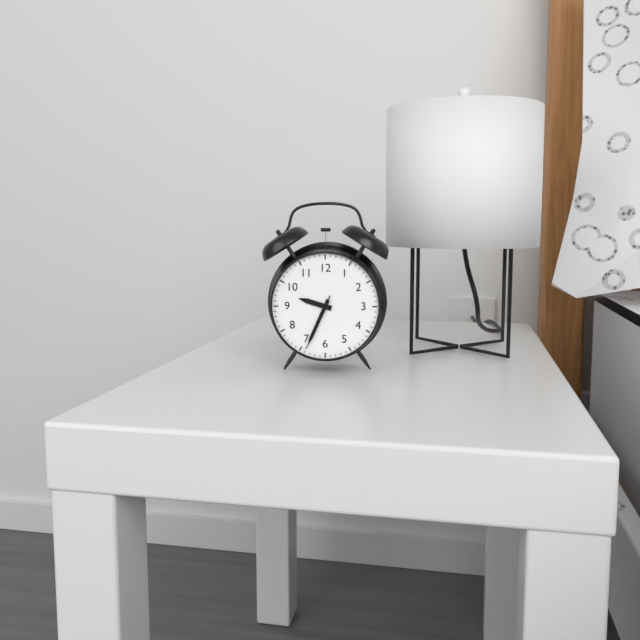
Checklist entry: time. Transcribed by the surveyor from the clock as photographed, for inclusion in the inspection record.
9:34:34
